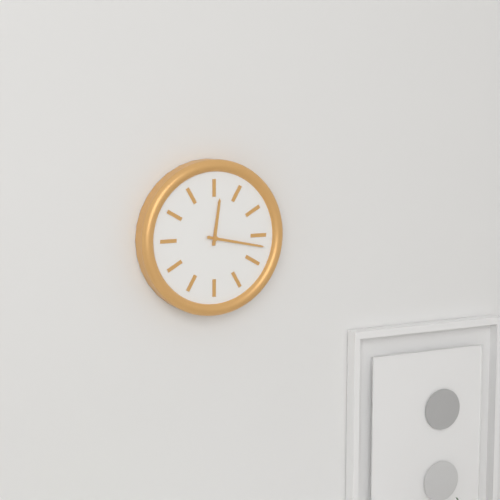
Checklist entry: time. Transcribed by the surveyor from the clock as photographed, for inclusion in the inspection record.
12:17
